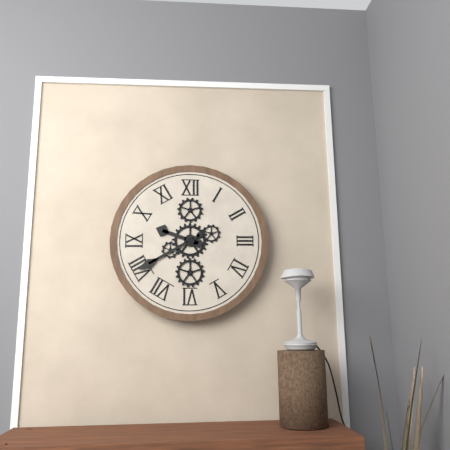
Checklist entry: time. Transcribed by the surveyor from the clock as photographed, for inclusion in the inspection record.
9:40
